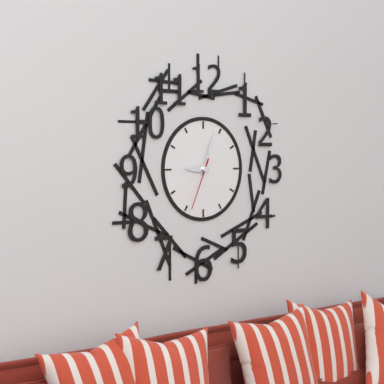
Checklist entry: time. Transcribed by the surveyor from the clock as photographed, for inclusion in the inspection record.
9:03:34
